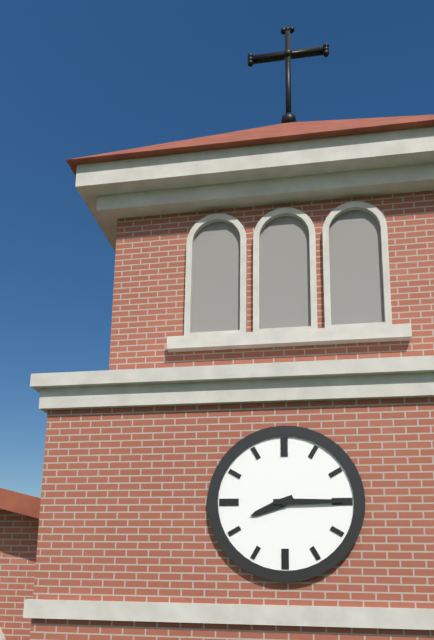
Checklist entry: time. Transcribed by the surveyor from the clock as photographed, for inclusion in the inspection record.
8:15
